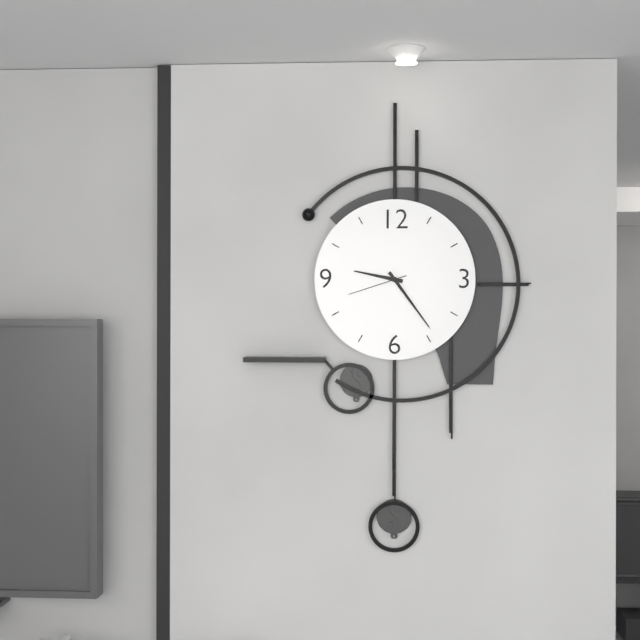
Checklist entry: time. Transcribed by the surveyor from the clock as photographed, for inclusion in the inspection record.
9:24:42
